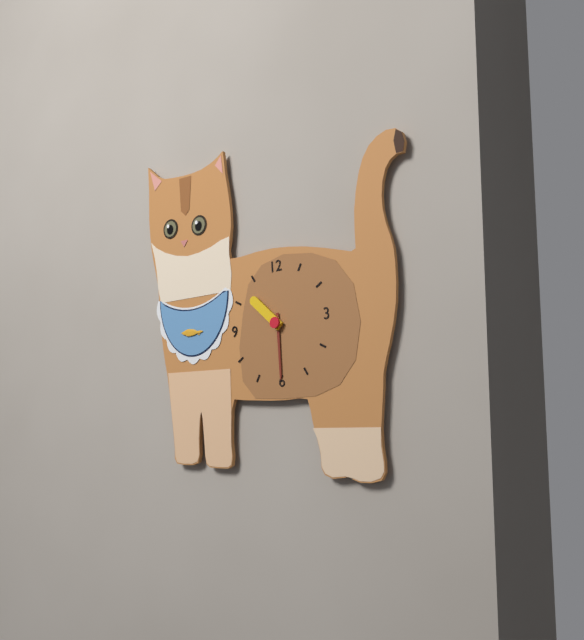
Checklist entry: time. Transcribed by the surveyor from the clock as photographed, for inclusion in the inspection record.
10:30
